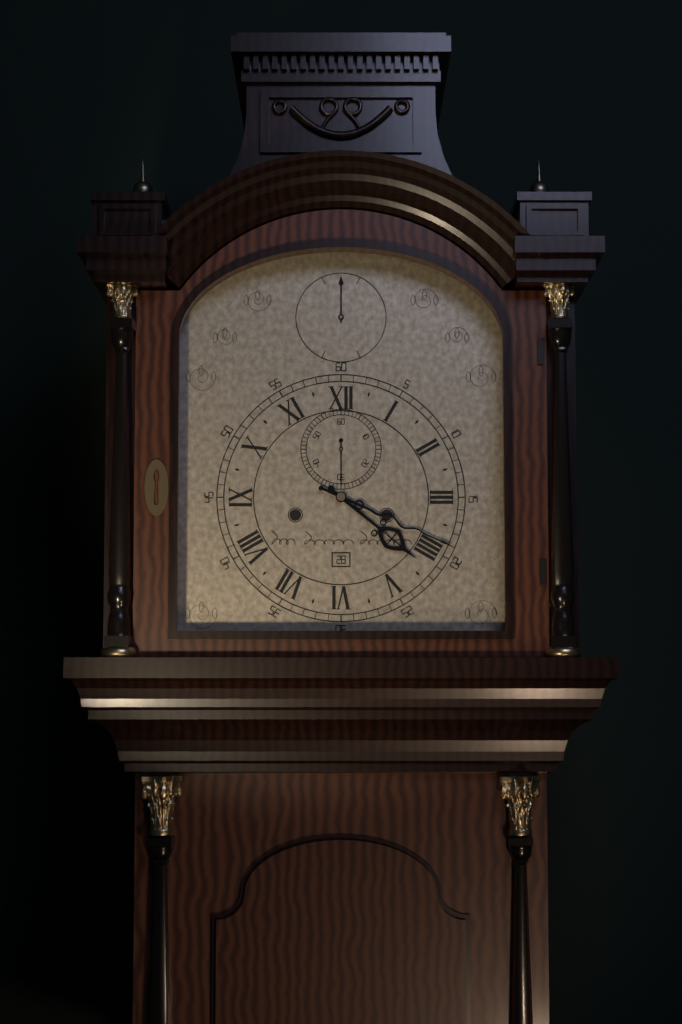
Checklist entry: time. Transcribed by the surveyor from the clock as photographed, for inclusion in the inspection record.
4:19
